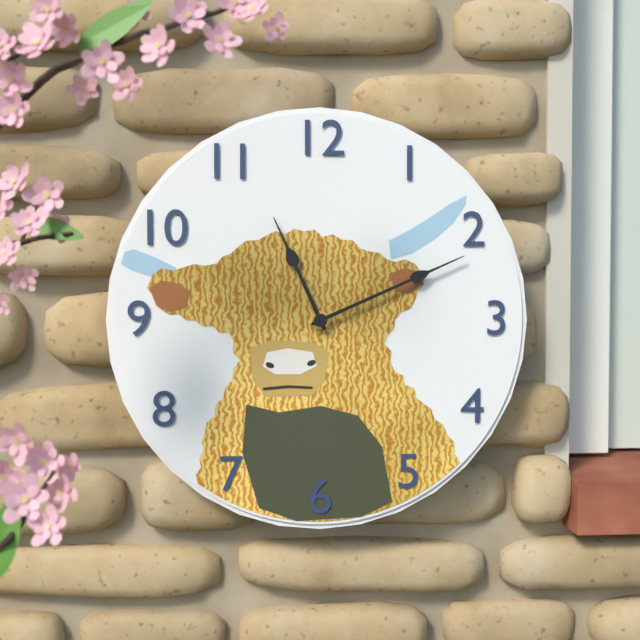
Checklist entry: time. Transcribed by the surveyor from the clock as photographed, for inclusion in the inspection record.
11:11
